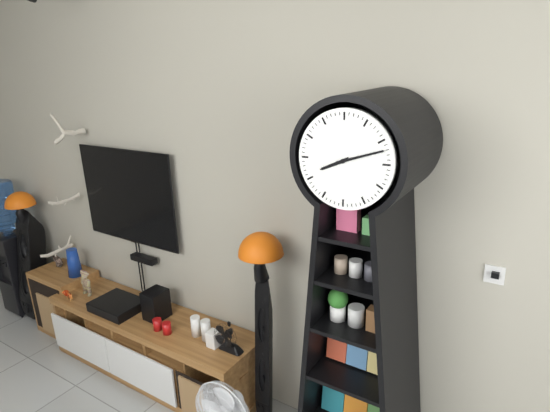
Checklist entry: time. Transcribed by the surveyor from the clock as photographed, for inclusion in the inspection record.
8:12
